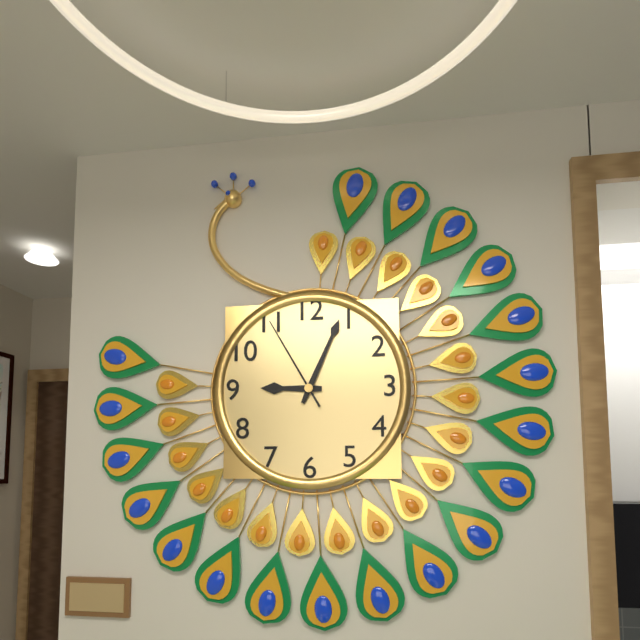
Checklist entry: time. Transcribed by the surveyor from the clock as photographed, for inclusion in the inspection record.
9:04:55
